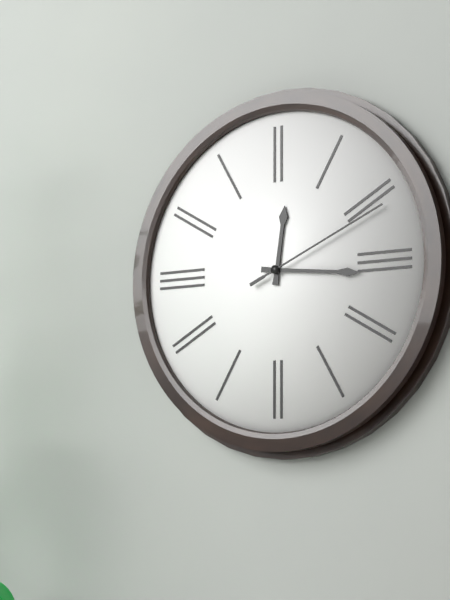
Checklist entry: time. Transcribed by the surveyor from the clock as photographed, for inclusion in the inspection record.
12:16:11
